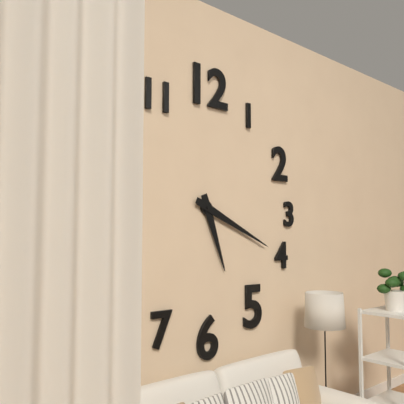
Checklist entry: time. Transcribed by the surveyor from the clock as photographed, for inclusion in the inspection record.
5:19
